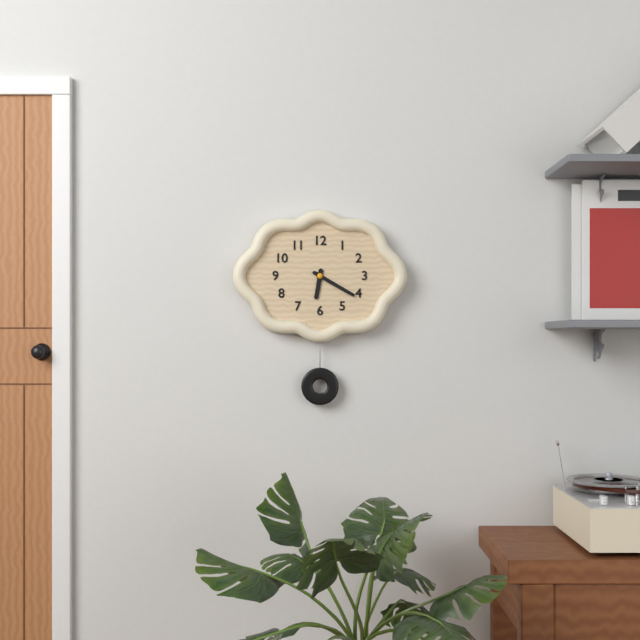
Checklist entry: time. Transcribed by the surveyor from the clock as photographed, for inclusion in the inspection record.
6:20
